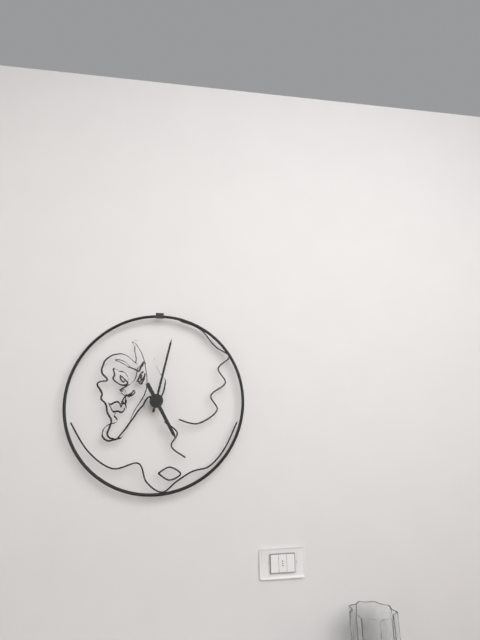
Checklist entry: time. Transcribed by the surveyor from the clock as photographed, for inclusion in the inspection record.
5:02
